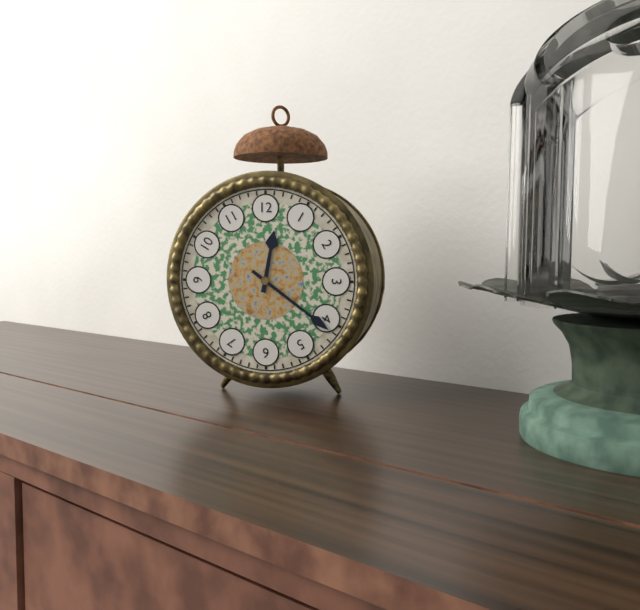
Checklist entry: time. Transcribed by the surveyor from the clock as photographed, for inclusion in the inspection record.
12:21
